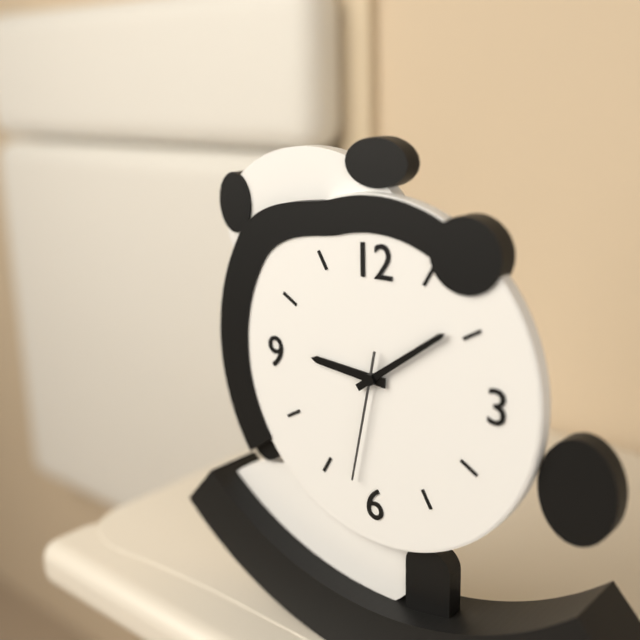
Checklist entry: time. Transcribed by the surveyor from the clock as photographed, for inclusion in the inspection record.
9:09:32
